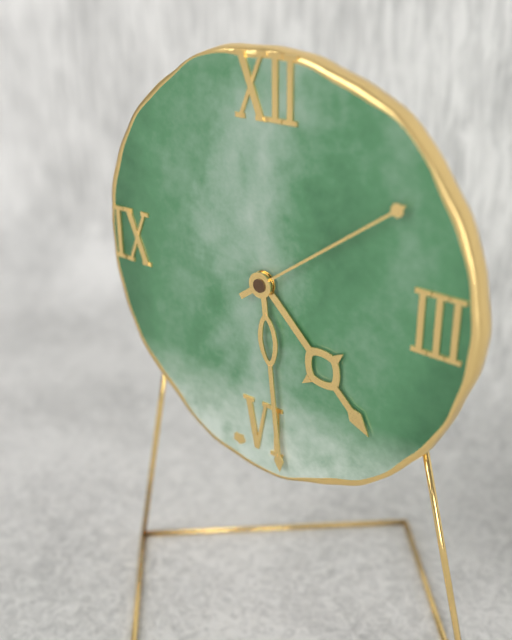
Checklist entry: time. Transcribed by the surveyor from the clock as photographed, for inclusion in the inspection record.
4:29:09
